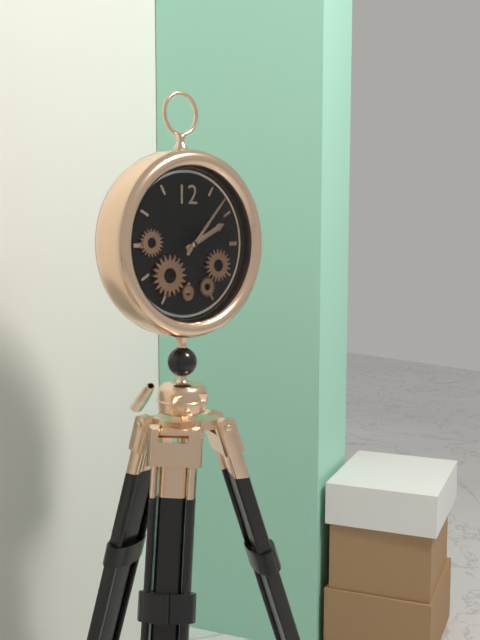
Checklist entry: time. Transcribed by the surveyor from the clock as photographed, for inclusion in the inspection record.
2:07
